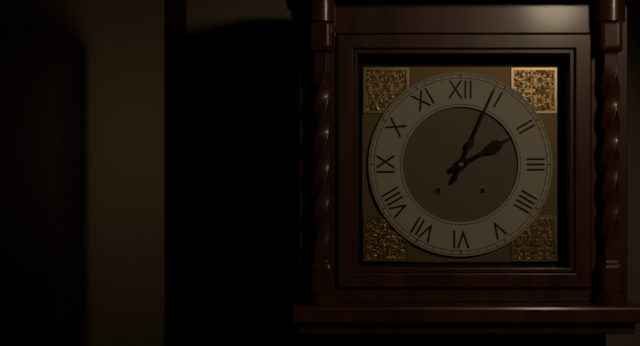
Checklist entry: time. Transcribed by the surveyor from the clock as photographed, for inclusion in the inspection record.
2:04
